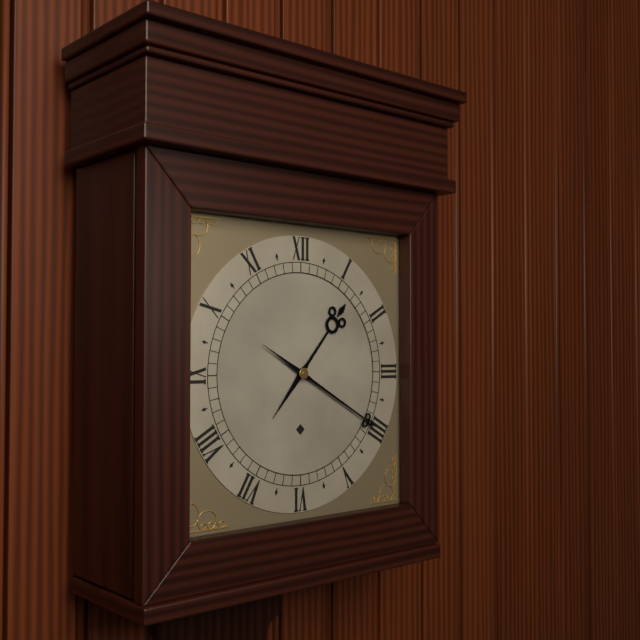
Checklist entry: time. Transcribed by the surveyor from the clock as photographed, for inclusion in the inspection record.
1:20
